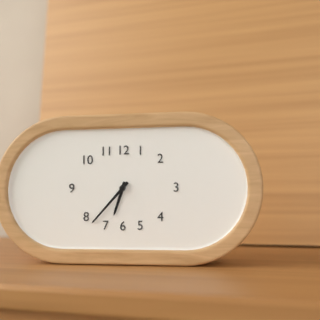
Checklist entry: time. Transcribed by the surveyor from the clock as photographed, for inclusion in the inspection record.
6:37
